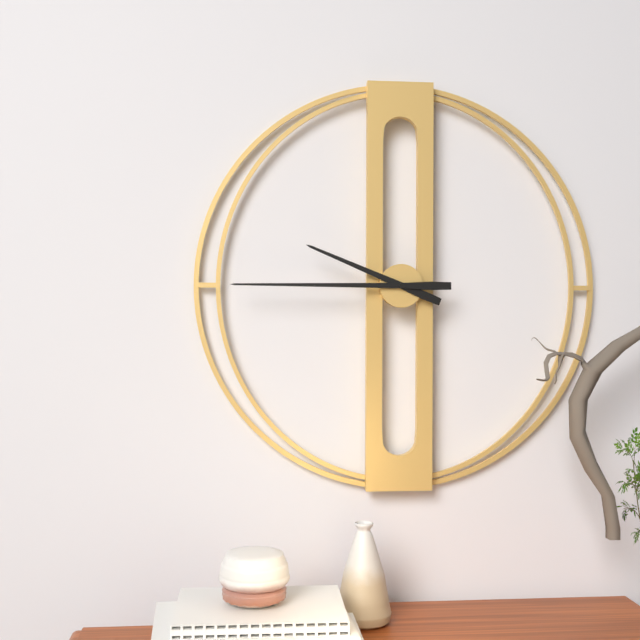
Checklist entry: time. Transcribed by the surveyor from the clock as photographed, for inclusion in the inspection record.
9:45
